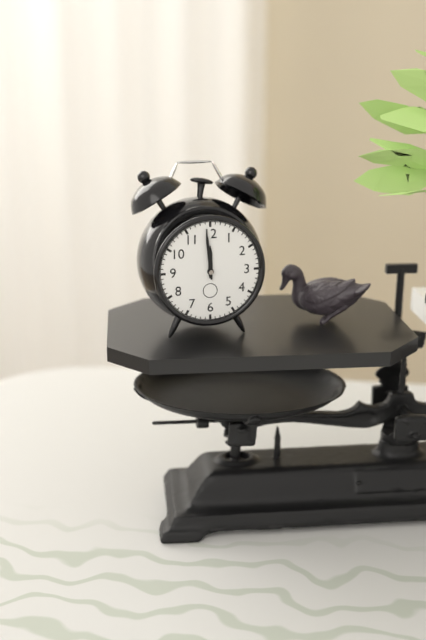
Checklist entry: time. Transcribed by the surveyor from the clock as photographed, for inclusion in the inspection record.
11:59
